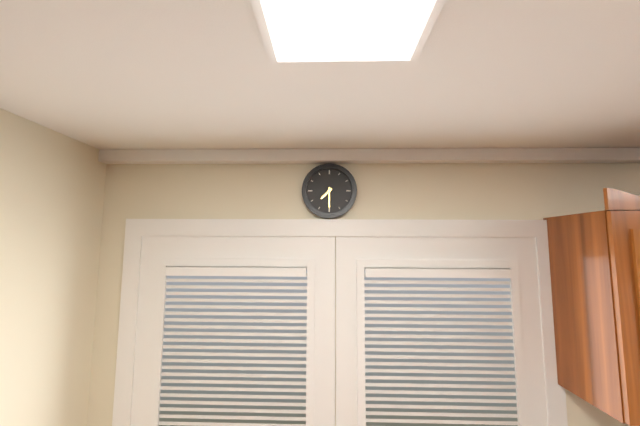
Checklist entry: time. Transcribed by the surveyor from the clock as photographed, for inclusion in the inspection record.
7:30
